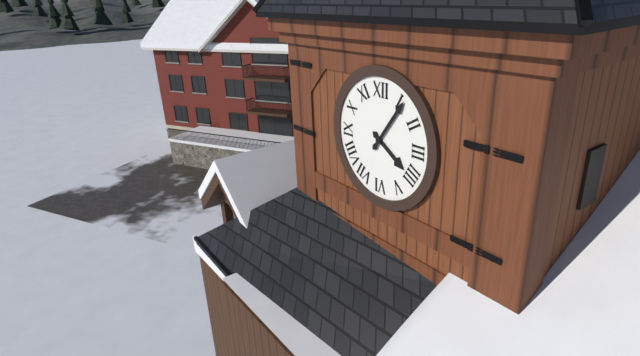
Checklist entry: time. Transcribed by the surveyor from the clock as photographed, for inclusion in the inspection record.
4:06
